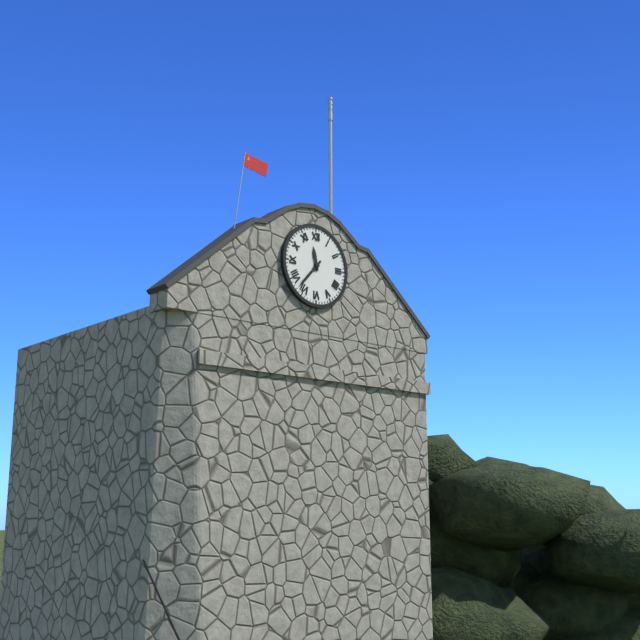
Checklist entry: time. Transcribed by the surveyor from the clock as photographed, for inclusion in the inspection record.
11:37
